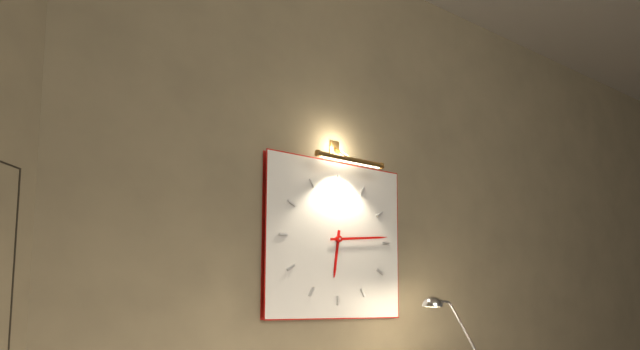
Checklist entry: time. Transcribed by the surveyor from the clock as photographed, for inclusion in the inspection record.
6:14
